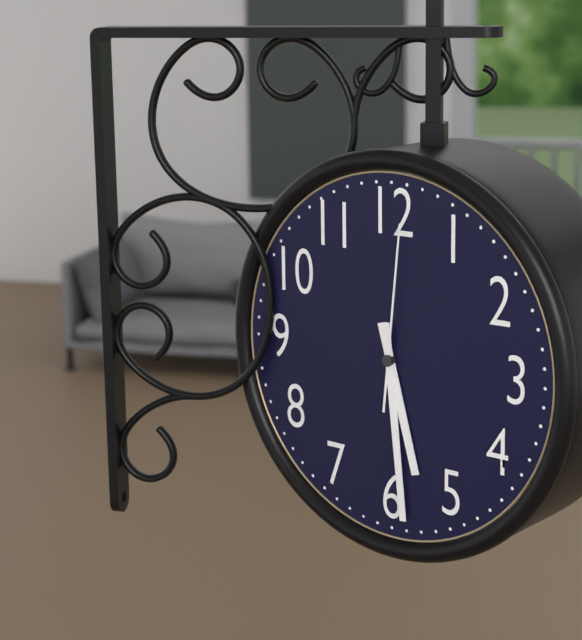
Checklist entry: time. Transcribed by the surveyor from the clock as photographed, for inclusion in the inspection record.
5:29:01
